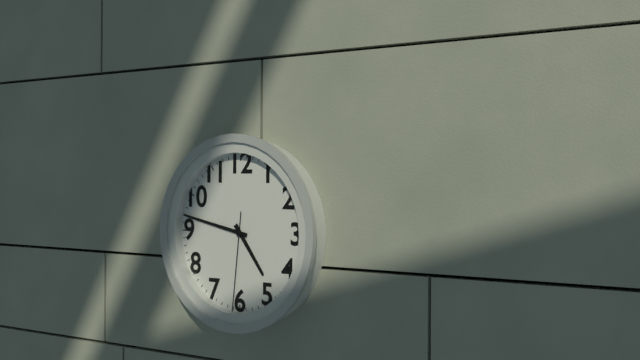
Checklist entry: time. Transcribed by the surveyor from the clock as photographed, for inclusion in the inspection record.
4:47:31
